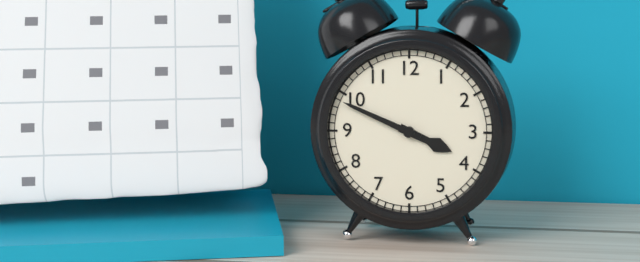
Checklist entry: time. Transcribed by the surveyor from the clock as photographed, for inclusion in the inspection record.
3:49
